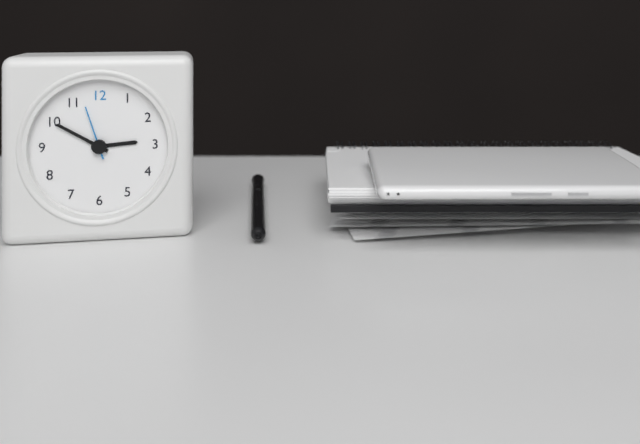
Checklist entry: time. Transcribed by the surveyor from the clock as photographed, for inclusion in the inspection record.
2:50:57
